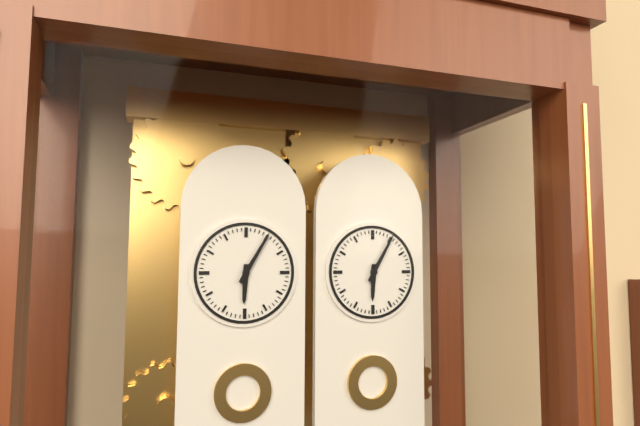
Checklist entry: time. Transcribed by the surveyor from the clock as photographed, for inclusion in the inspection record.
6:05
